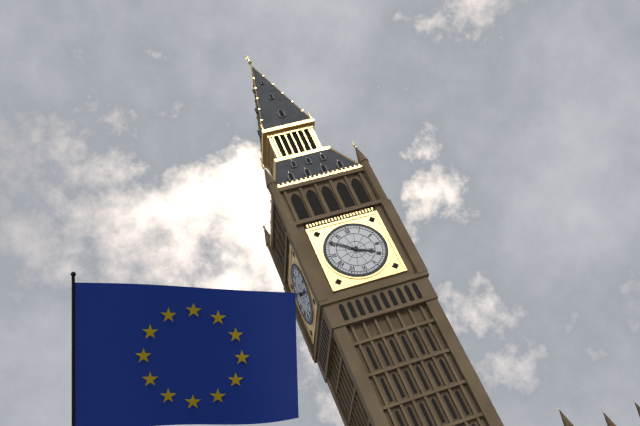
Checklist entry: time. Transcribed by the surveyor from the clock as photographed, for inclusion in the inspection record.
3:51
